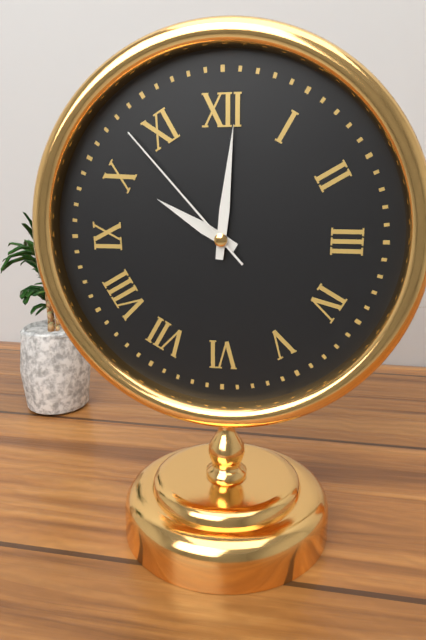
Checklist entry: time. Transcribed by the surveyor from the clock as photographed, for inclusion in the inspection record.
10:01:53
